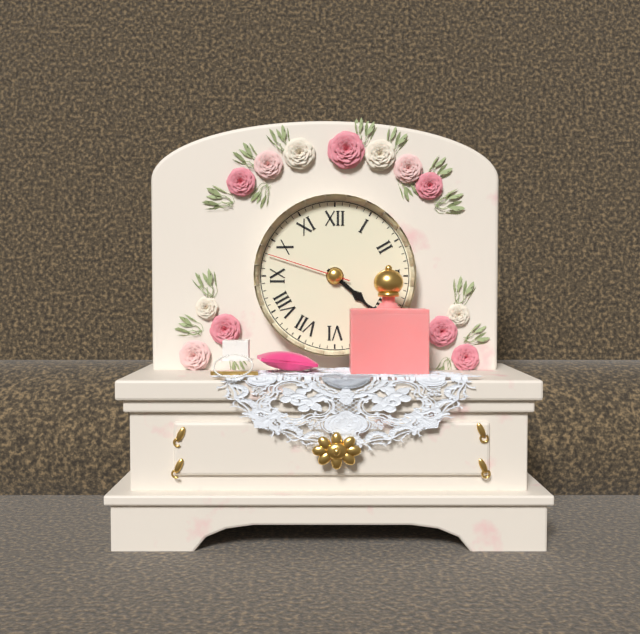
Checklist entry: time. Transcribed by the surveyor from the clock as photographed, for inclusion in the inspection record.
4:22:48
